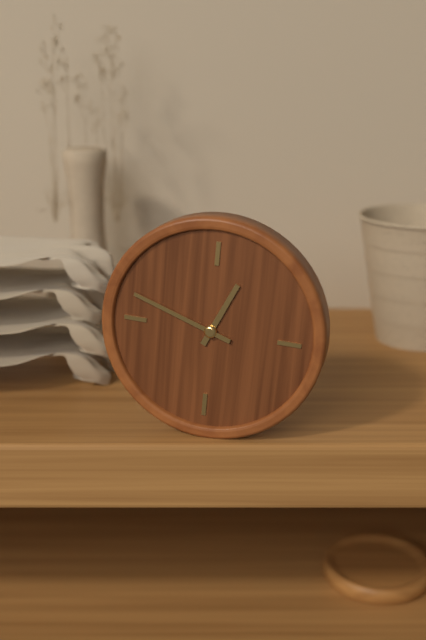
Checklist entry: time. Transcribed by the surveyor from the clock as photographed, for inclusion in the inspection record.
12:48
